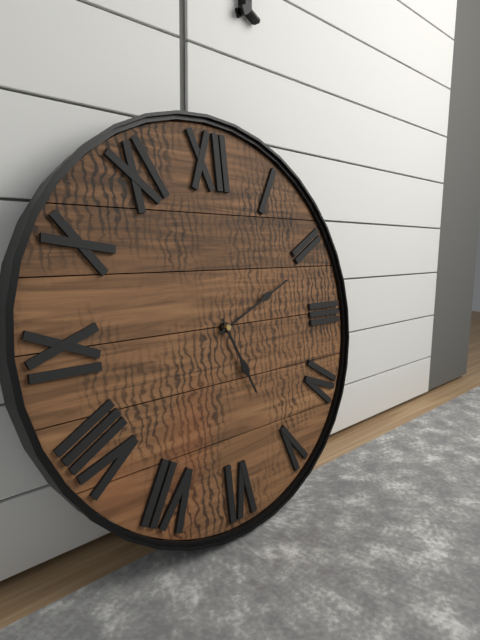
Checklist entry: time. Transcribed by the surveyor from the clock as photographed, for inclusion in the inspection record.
5:11
